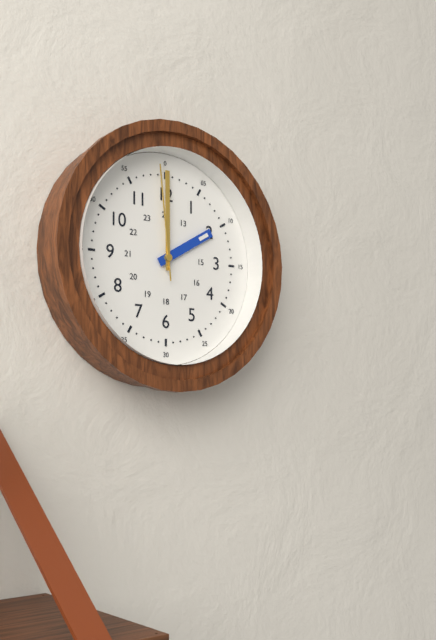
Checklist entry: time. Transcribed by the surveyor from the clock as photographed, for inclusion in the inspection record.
2:00:59
